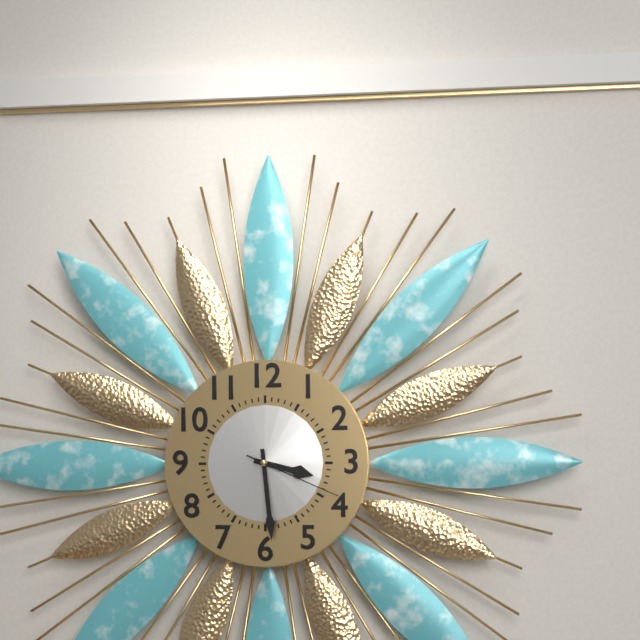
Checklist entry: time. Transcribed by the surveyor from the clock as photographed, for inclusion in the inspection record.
3:29:19
